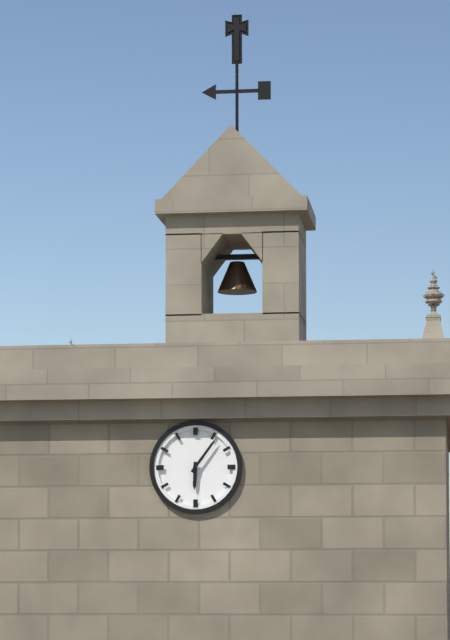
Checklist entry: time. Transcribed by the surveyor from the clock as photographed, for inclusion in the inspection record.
6:06
